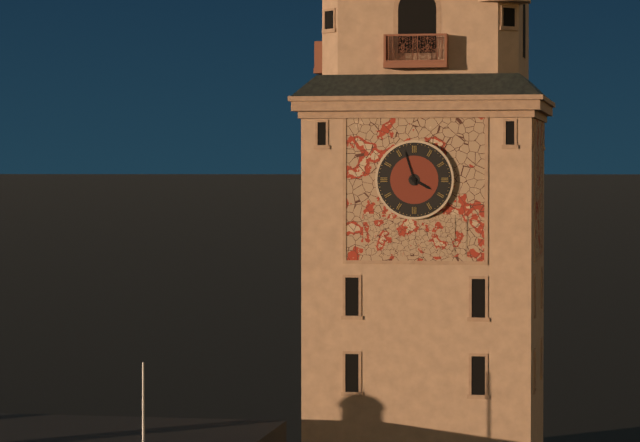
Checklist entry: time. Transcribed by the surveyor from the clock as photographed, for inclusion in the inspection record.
3:57
